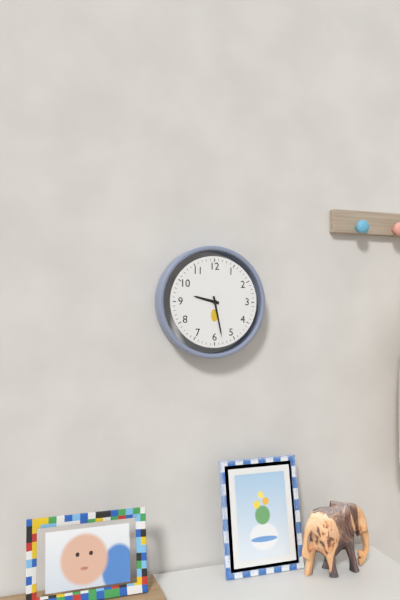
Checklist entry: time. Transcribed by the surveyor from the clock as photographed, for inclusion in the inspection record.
9:28
